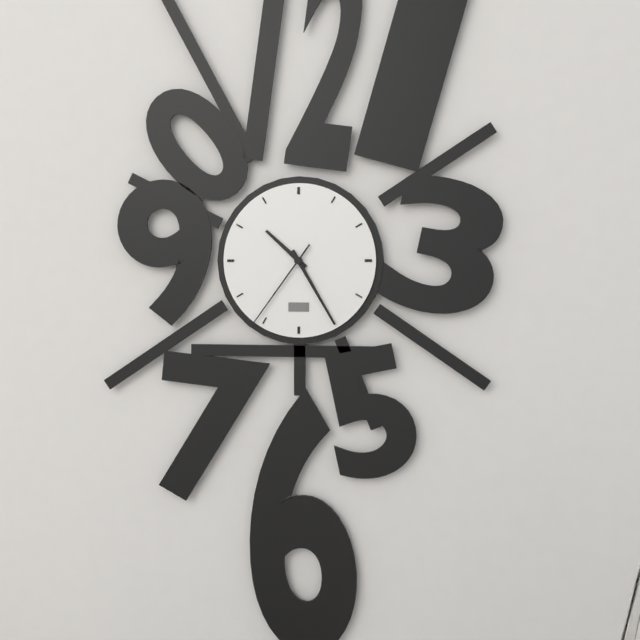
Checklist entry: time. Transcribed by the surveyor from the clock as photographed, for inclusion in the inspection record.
10:25:36
